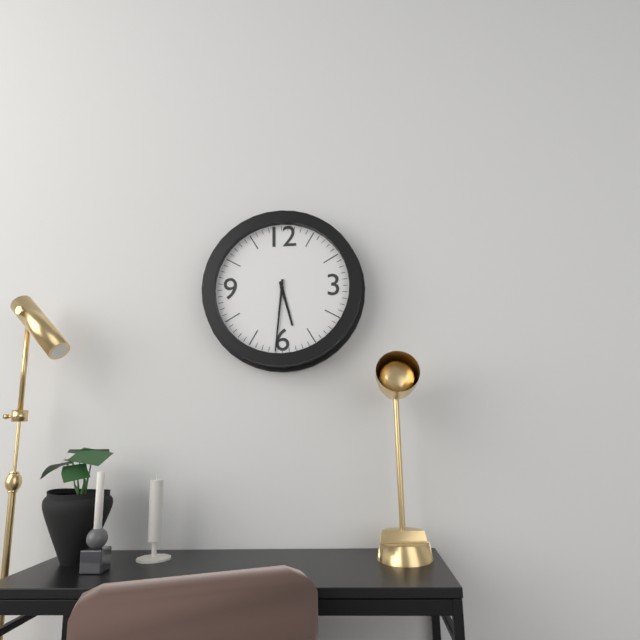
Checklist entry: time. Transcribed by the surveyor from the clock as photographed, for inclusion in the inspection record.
5:31
